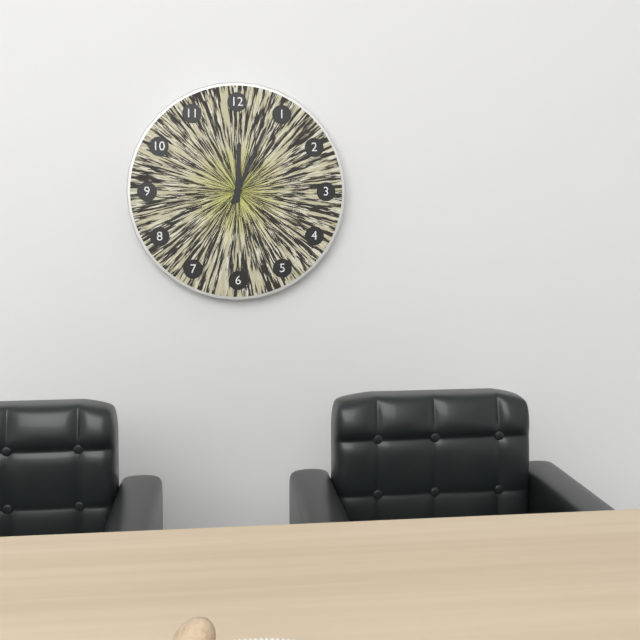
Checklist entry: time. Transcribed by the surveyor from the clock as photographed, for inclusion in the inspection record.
12:04
